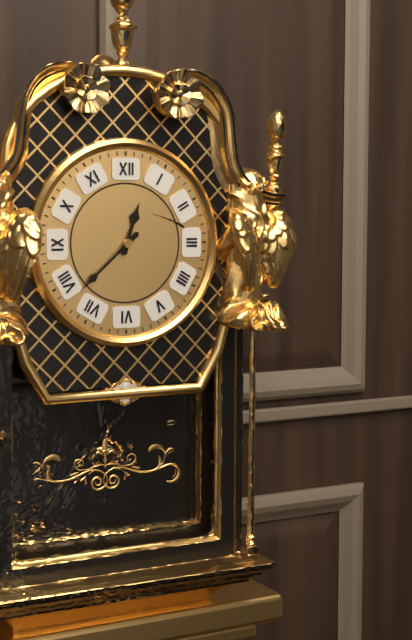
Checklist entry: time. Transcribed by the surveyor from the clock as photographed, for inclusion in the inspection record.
12:38
